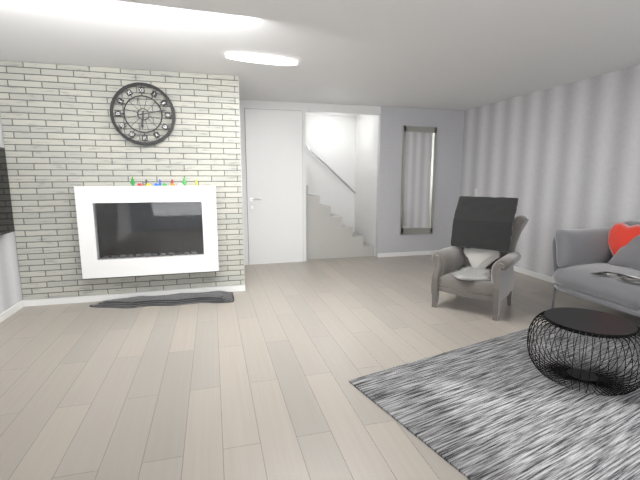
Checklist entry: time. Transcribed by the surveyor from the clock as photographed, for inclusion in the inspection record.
6:13
